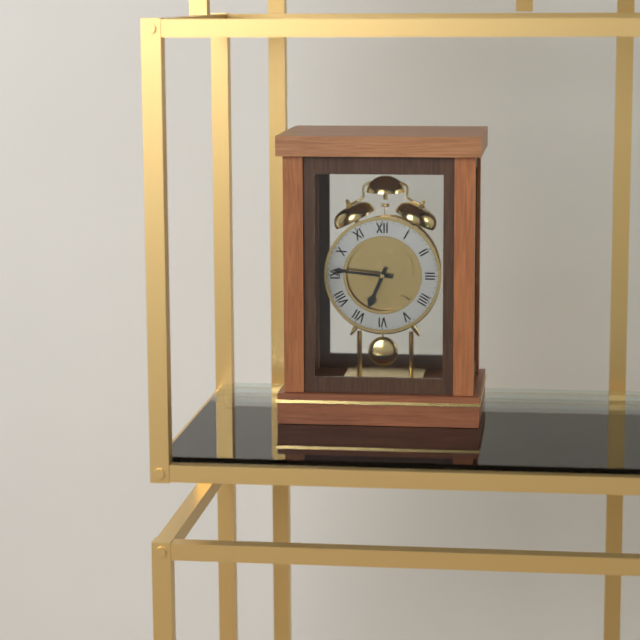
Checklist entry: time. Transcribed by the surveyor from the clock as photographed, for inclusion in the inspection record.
6:46
